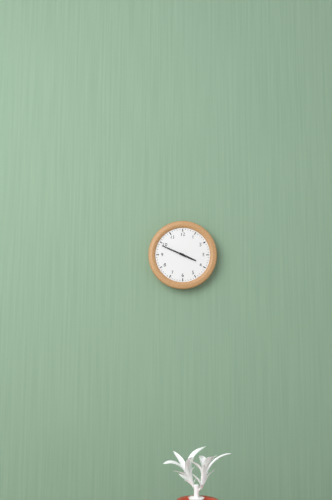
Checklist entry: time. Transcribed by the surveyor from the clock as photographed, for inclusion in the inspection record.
3:49
